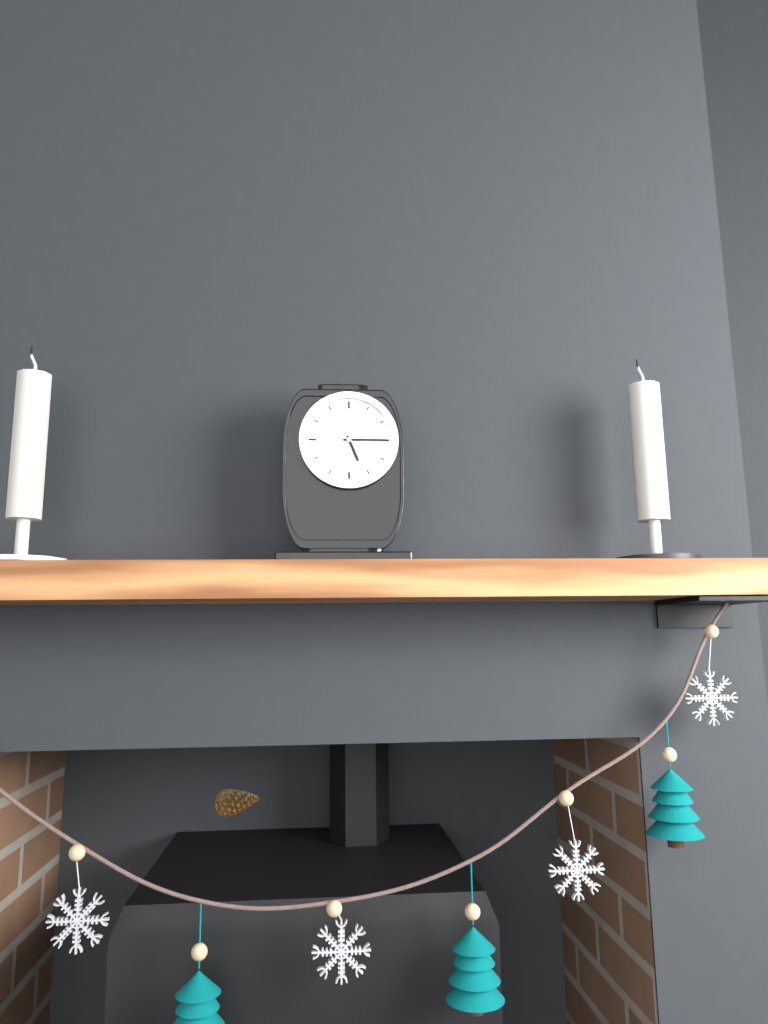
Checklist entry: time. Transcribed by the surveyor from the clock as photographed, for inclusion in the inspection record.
5:15
